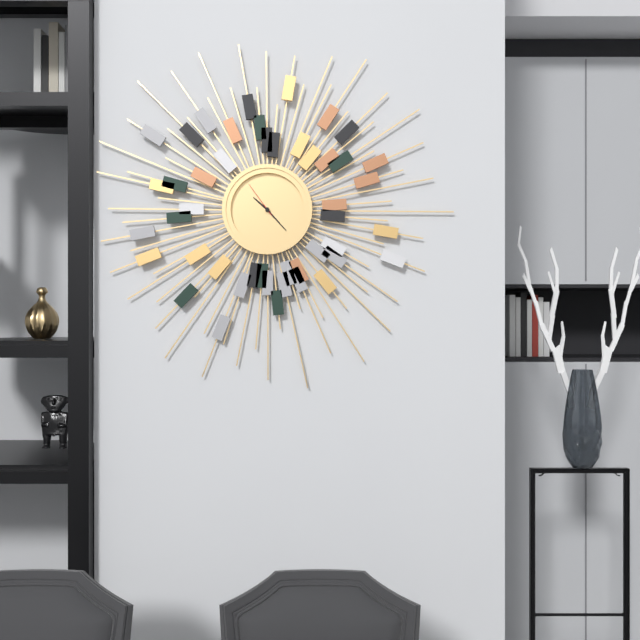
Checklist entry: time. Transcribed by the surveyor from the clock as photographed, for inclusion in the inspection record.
10:23
